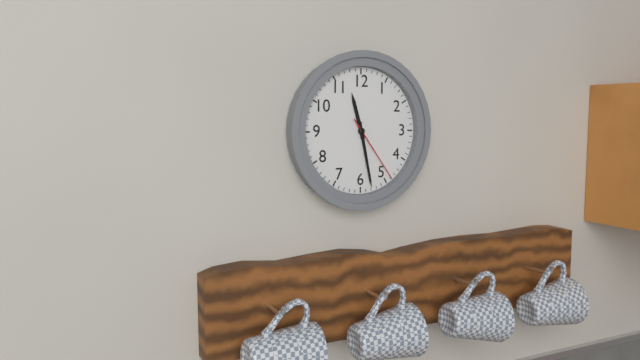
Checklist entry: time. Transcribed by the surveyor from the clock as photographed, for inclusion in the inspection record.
11:28:24
